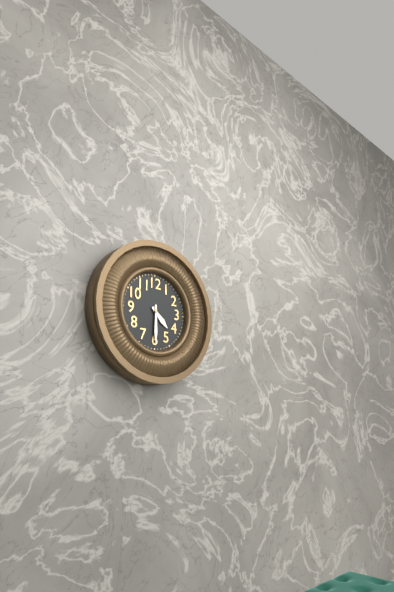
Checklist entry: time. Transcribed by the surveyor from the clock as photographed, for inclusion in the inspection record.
4:30
